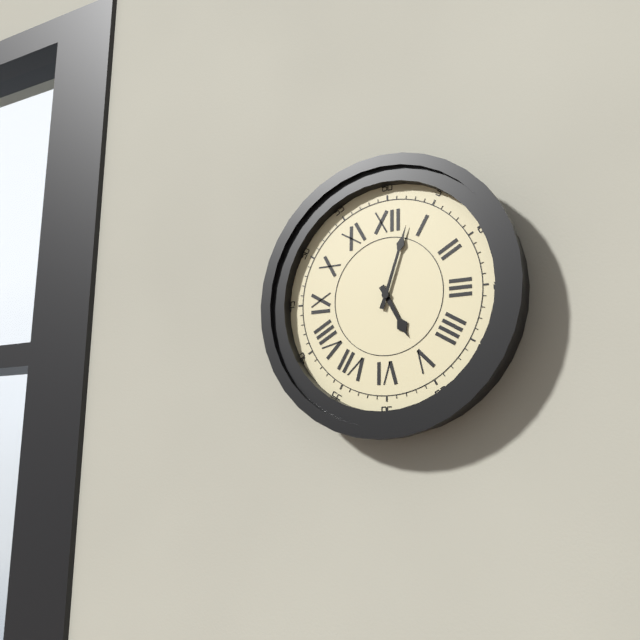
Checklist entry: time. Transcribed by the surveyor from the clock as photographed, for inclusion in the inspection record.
5:03
